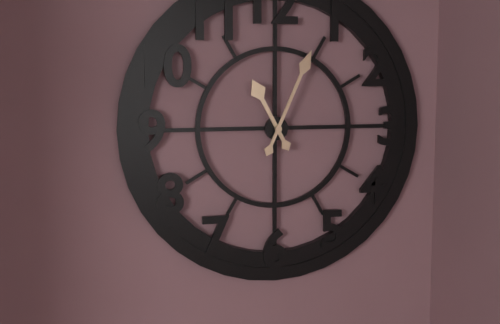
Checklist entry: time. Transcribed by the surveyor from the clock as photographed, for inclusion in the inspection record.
11:04
